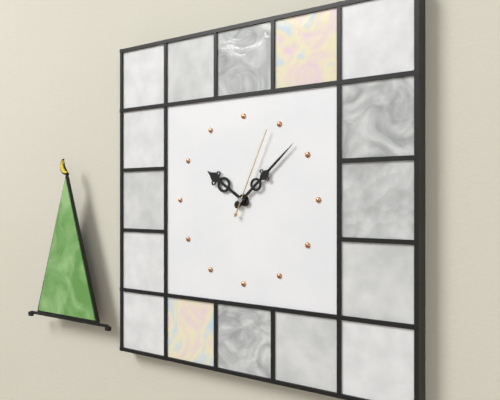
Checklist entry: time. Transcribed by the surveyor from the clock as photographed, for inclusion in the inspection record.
10:08:04
